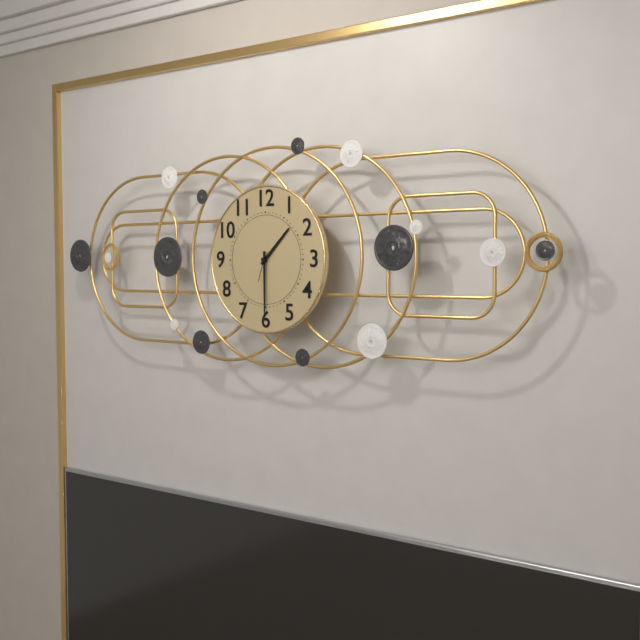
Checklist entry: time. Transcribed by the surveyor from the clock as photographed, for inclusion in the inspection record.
1:30
